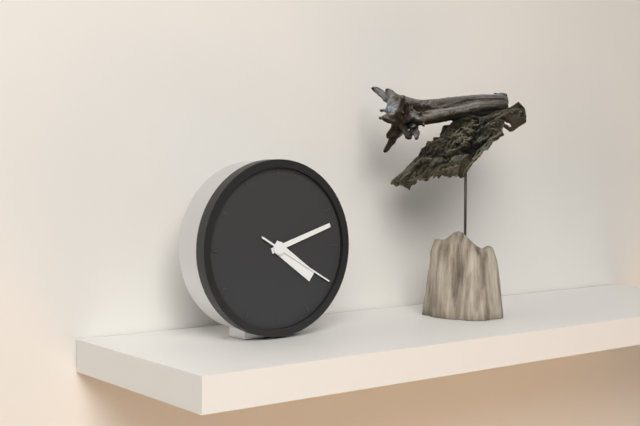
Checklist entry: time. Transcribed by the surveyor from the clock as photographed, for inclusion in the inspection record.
4:12:20
